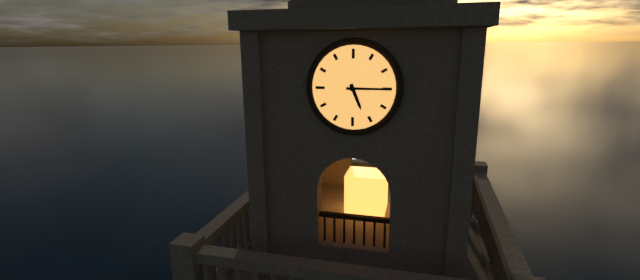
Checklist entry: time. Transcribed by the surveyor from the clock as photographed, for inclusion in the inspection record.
5:15
